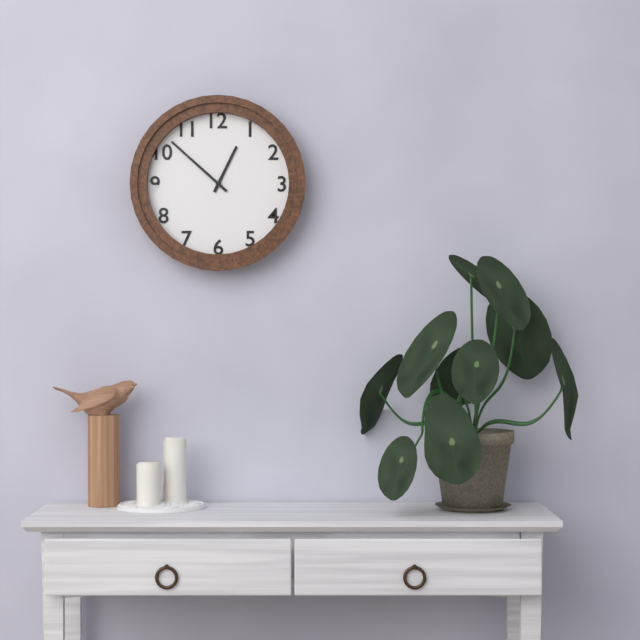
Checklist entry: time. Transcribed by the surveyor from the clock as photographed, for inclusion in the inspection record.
12:52
